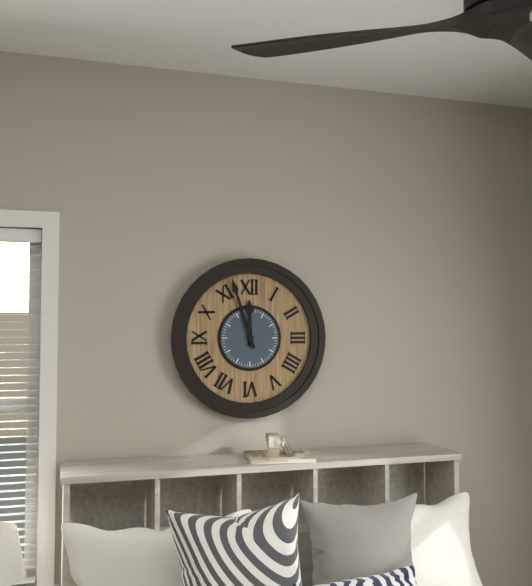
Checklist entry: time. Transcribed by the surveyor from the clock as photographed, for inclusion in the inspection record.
11:57
